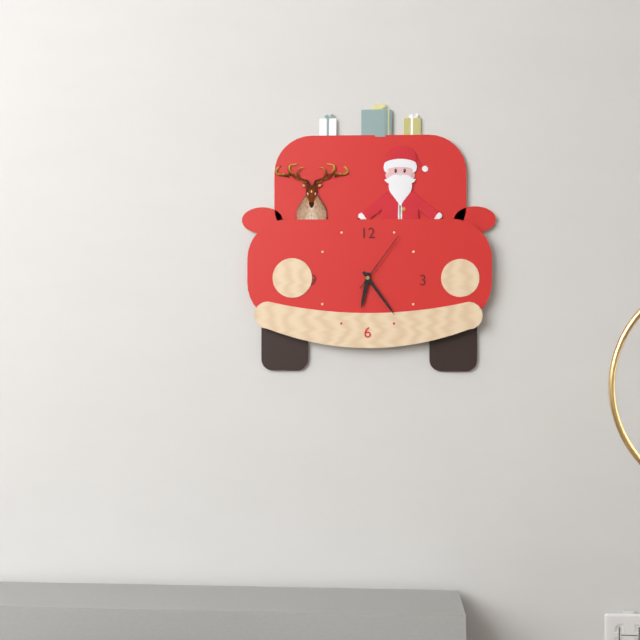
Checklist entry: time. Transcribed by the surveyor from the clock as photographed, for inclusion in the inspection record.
6:24:06
